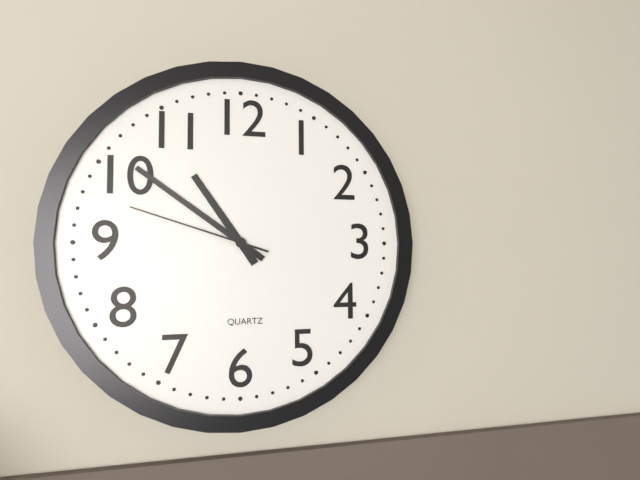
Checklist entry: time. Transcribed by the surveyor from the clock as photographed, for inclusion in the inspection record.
10:51:48
